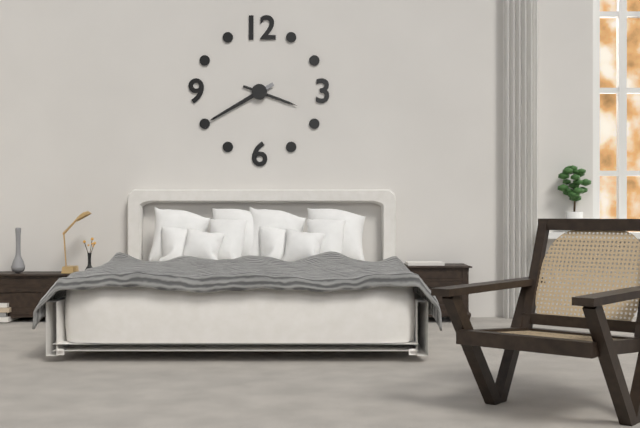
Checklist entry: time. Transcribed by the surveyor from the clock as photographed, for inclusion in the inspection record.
3:40
